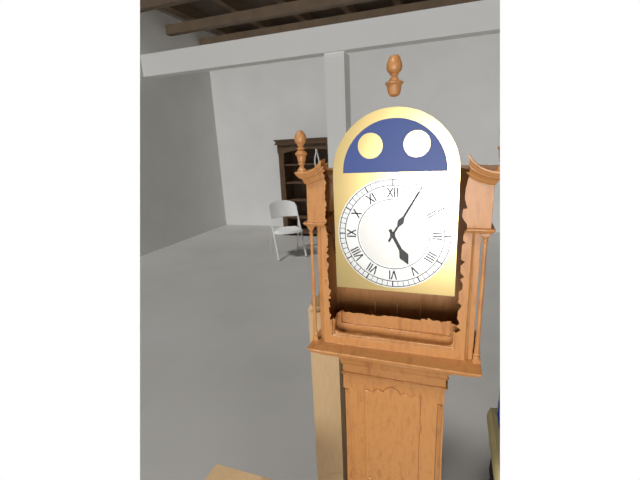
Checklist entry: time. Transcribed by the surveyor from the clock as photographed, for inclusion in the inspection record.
5:05
